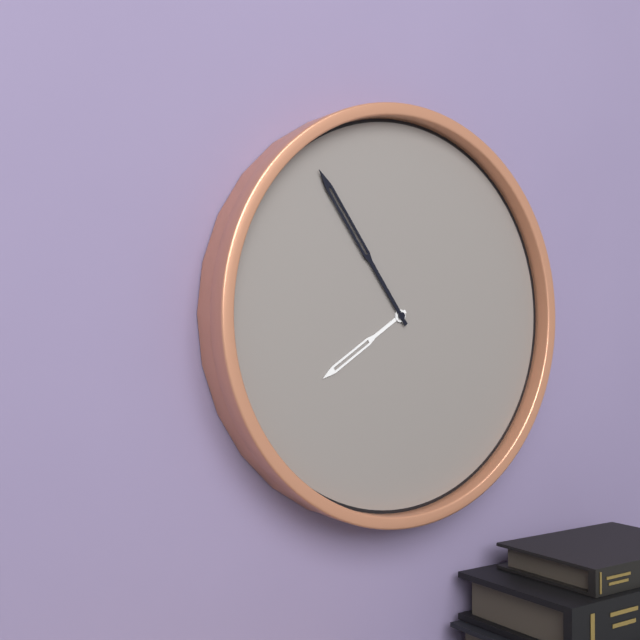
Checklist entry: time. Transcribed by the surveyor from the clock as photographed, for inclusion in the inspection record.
7:54
